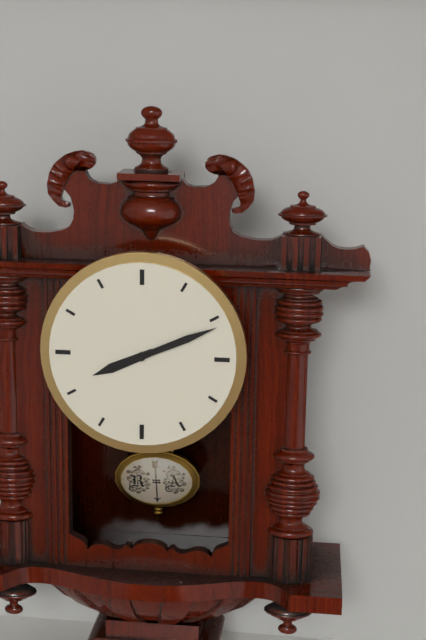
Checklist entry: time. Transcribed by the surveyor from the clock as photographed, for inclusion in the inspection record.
8:11
